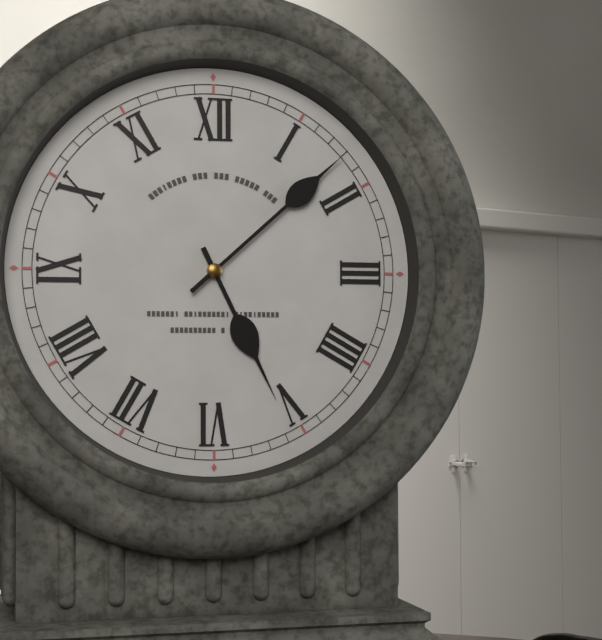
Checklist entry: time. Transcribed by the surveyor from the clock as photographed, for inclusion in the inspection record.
5:08
